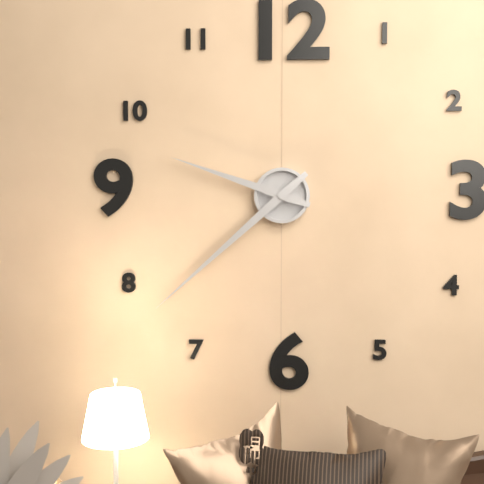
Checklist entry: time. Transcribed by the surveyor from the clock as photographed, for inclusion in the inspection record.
9:38
